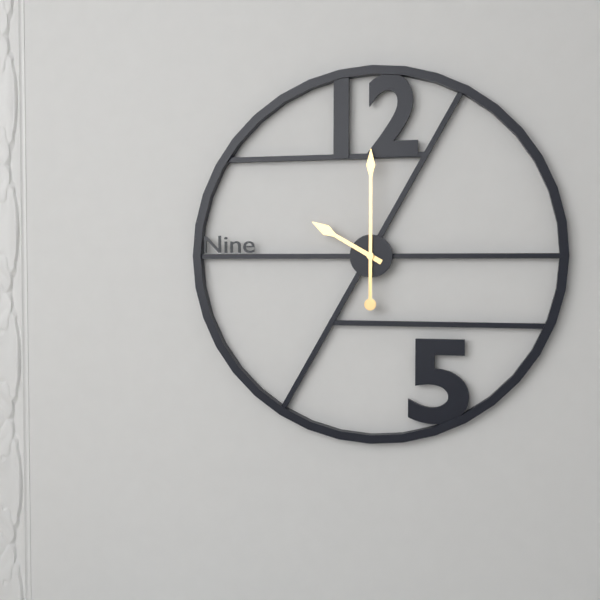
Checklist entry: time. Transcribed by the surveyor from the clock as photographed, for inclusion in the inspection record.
10:00
